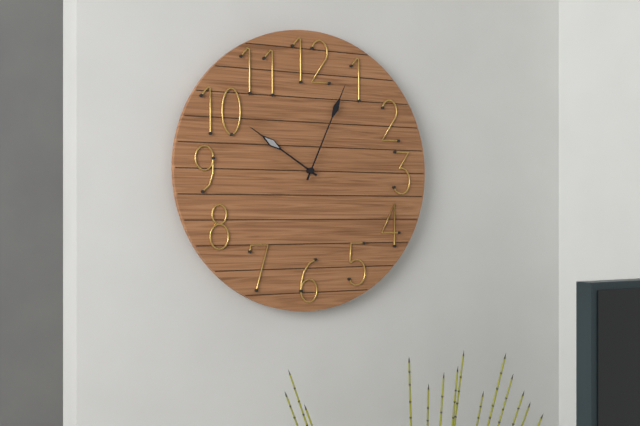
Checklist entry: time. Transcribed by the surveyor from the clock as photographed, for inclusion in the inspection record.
10:04
